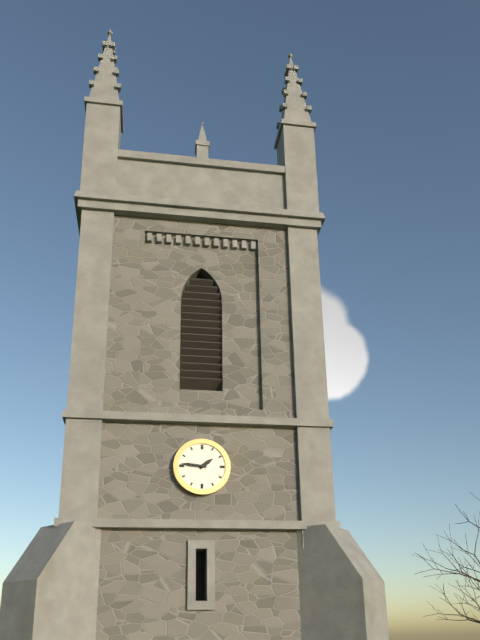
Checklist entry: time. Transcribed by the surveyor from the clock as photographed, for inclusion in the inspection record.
1:46
